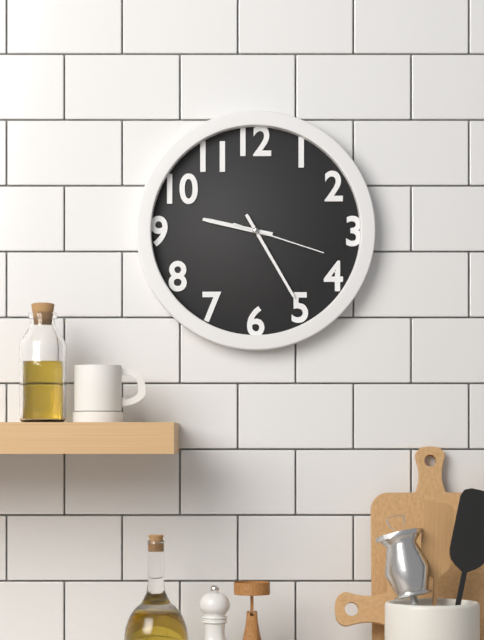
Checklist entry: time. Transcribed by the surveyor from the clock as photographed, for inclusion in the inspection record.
9:25:18
